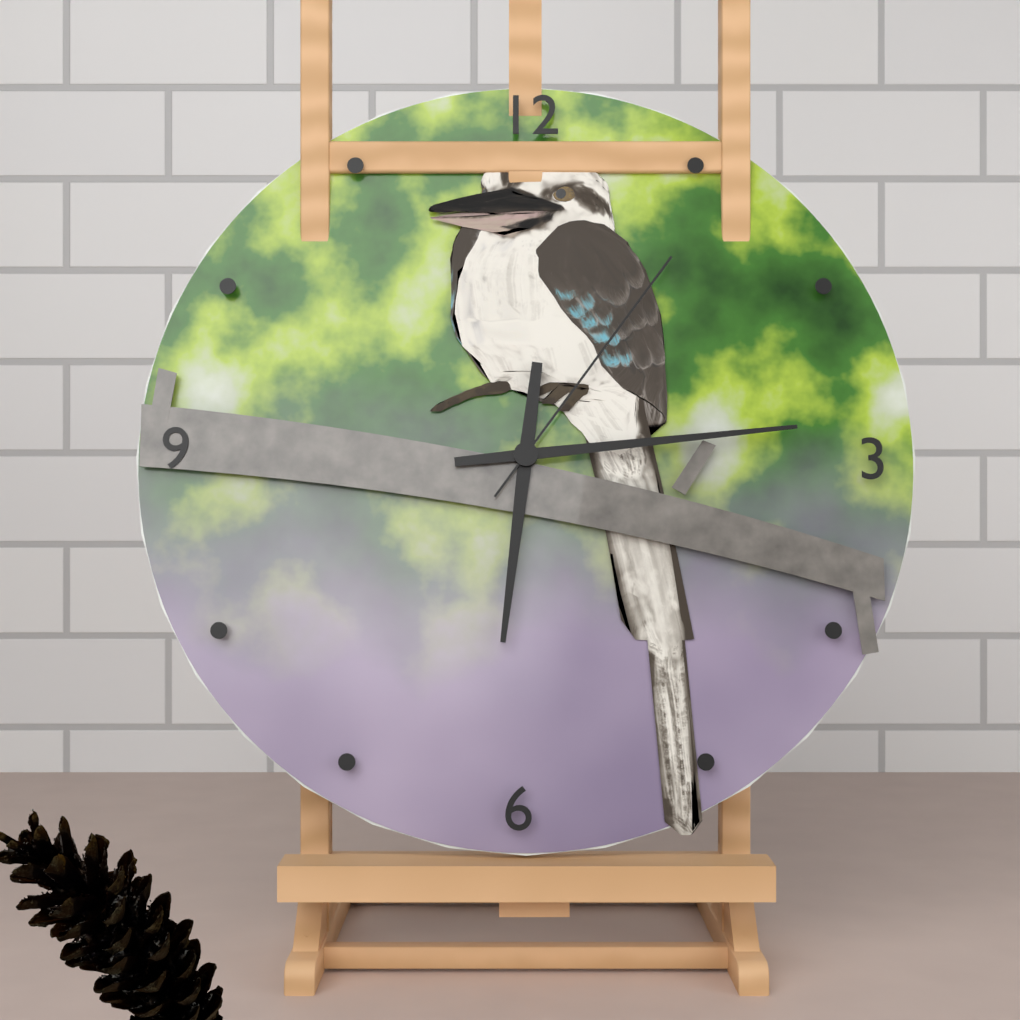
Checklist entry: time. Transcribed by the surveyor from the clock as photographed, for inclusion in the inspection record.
6:14:06
